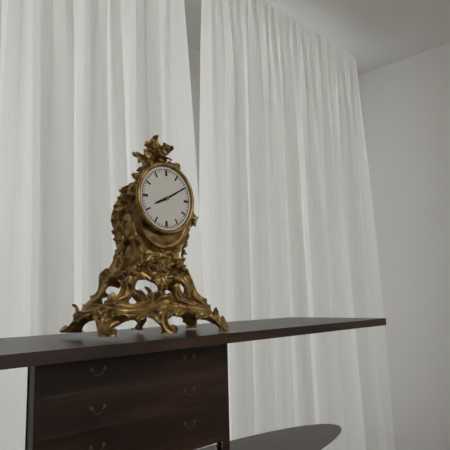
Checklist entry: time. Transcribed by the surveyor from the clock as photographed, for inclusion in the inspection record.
8:10
